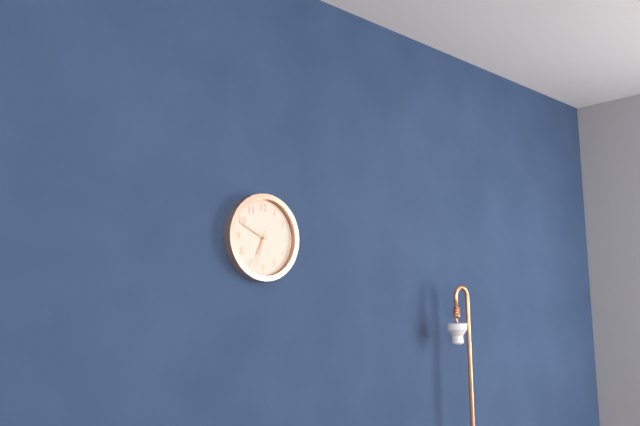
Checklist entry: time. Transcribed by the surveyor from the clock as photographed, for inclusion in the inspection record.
6:49
